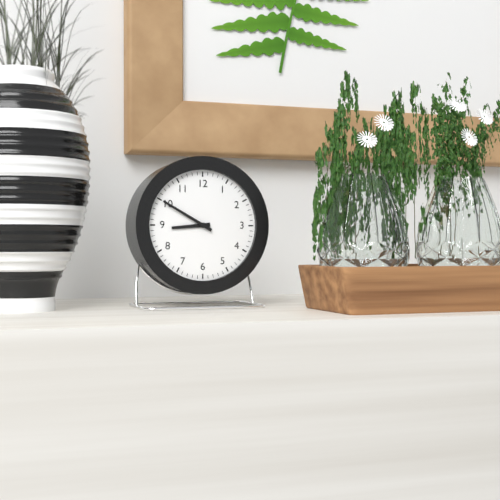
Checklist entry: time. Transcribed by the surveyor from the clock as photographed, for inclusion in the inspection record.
8:50
